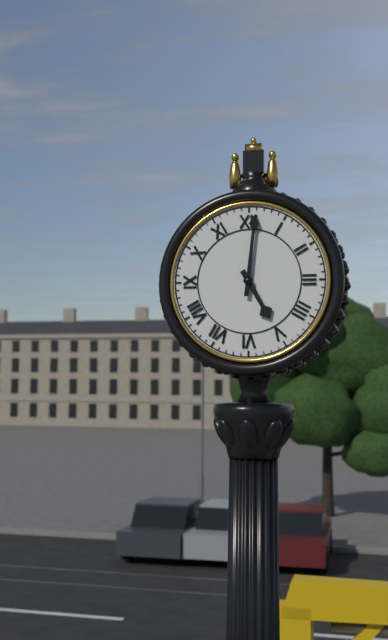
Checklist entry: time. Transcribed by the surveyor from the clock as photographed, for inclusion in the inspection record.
5:01
